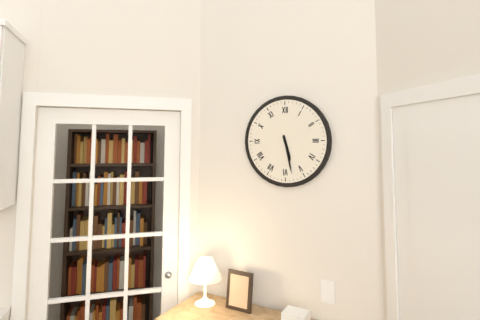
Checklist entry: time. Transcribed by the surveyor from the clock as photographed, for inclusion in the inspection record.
5:28
